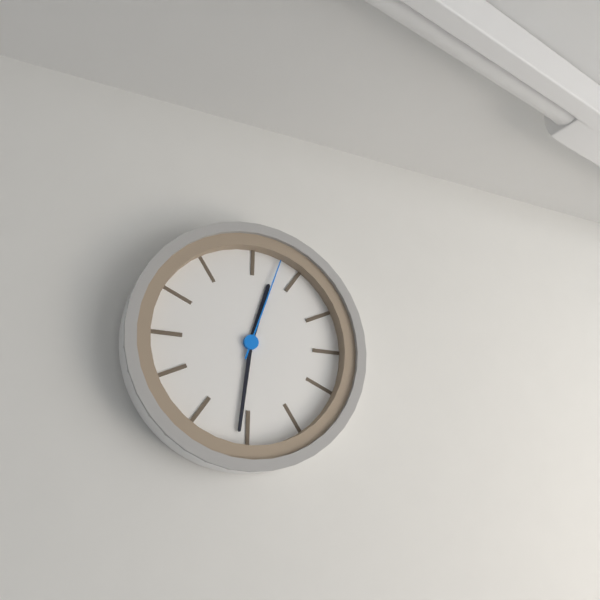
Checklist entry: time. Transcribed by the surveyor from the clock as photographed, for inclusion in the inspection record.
12:31:03
